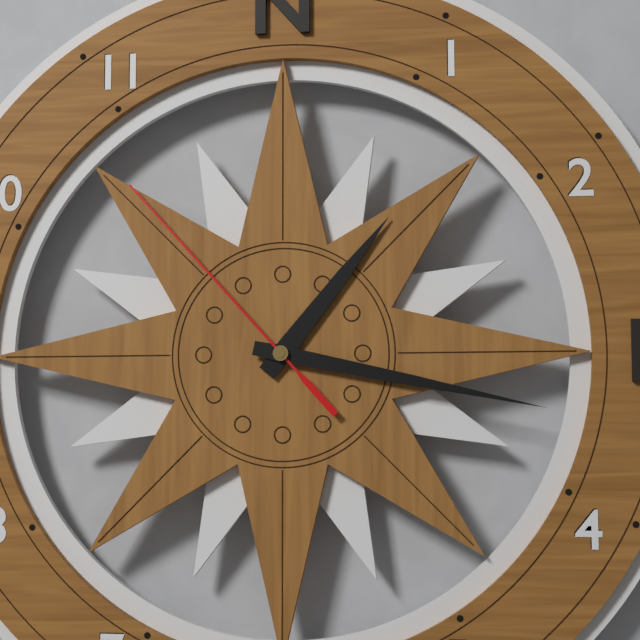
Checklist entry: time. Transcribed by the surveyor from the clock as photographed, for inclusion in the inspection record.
1:17:53
